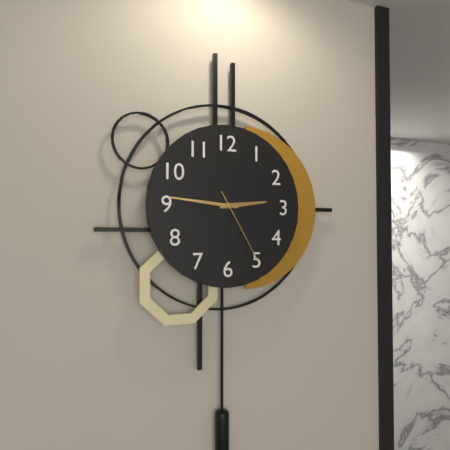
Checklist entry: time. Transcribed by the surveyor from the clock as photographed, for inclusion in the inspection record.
2:46:25
